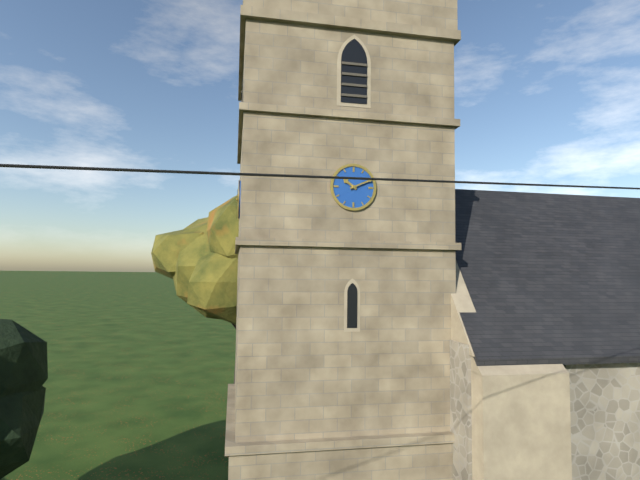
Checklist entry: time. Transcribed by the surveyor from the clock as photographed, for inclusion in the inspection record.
10:11
